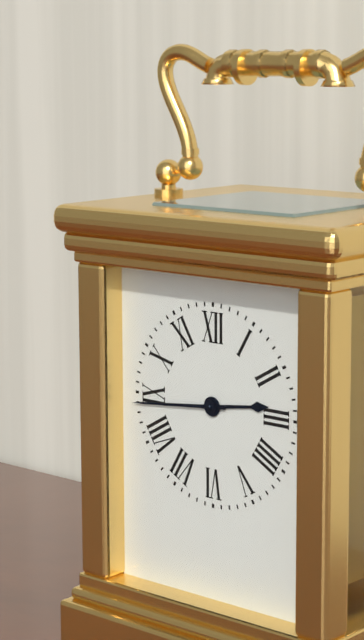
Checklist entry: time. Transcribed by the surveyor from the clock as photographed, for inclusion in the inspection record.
2:44
